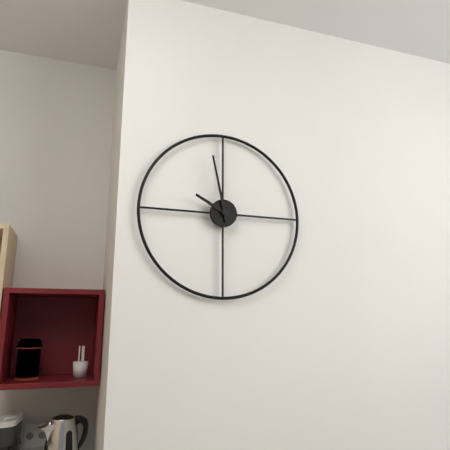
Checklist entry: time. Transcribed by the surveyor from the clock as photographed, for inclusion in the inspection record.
9:58
